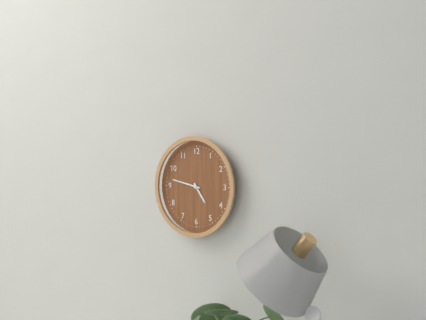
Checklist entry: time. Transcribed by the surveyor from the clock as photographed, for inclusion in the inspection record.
4:47
